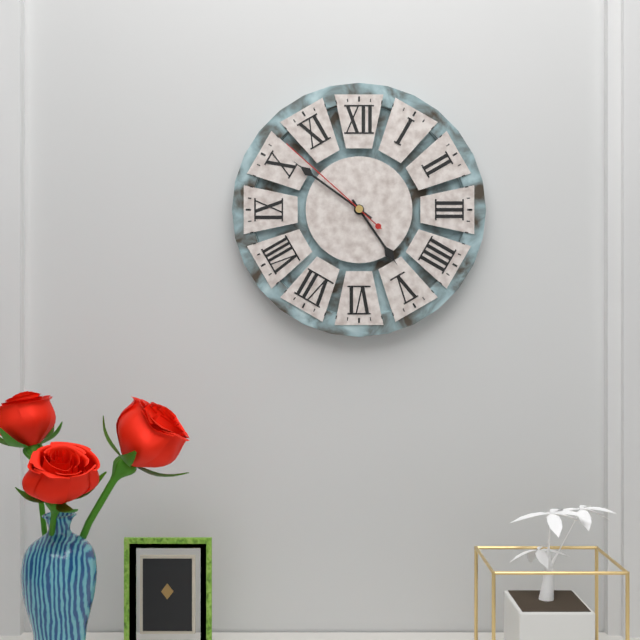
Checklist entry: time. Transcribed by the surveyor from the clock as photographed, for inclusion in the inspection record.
4:51:52
